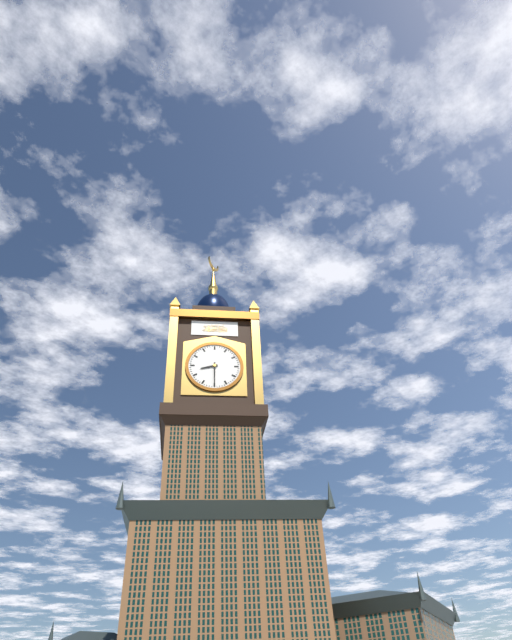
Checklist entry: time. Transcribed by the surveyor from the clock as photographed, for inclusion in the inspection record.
8:30
